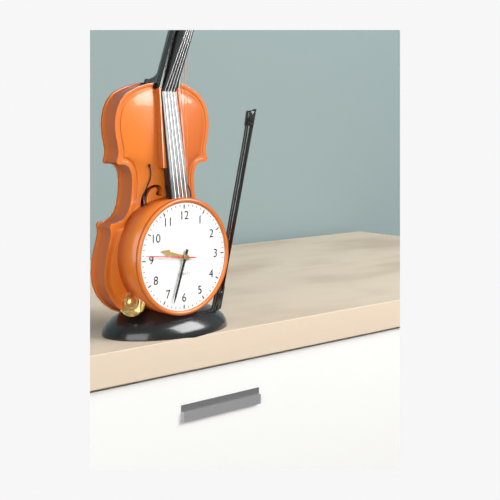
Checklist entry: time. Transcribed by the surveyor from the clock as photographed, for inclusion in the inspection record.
9:33
